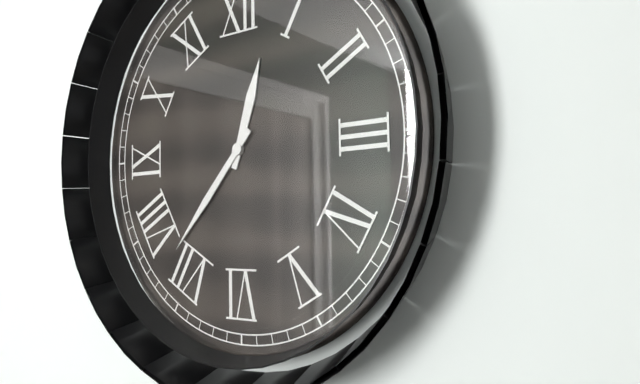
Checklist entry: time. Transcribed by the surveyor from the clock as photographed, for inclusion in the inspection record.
12:37
